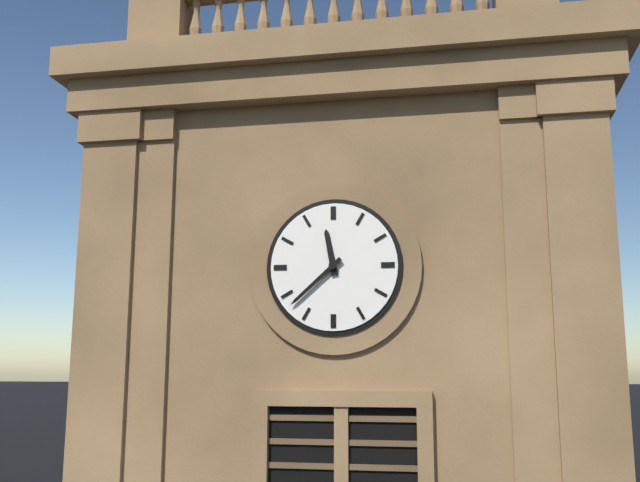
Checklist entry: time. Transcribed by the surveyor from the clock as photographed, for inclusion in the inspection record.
11:38
